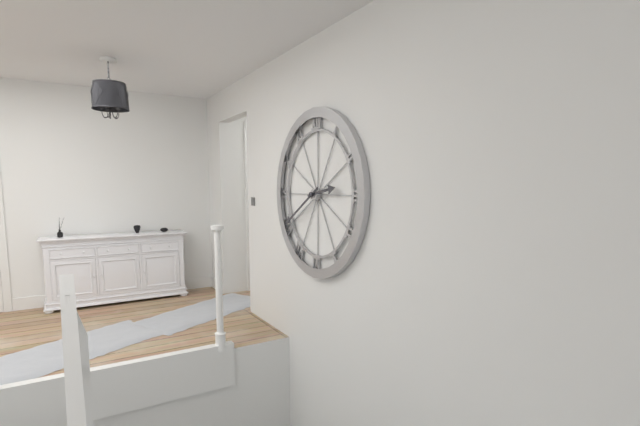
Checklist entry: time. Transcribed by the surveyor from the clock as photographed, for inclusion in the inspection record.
2:40
